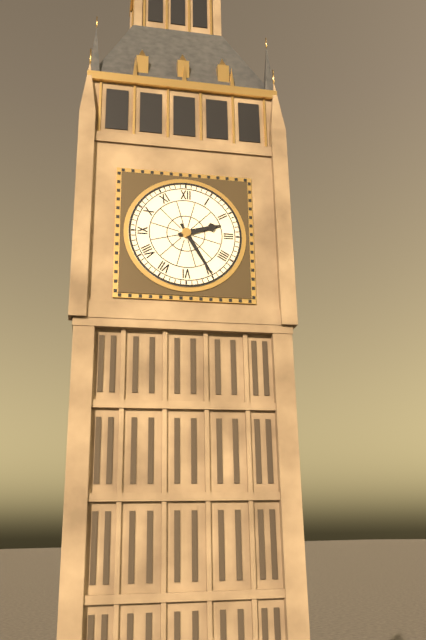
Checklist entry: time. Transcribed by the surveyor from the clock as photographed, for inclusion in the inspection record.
2:25
